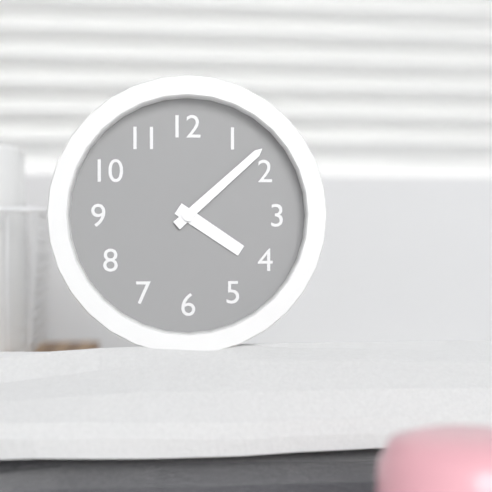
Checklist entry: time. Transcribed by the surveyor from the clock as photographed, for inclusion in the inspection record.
4:08
